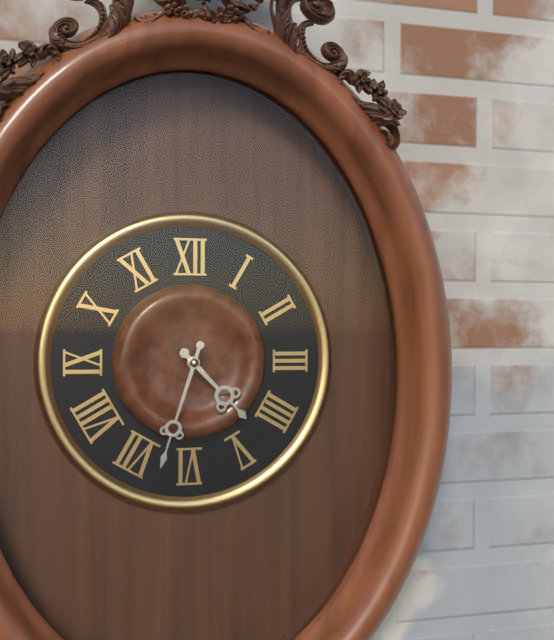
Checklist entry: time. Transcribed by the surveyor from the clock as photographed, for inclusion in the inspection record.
4:33
